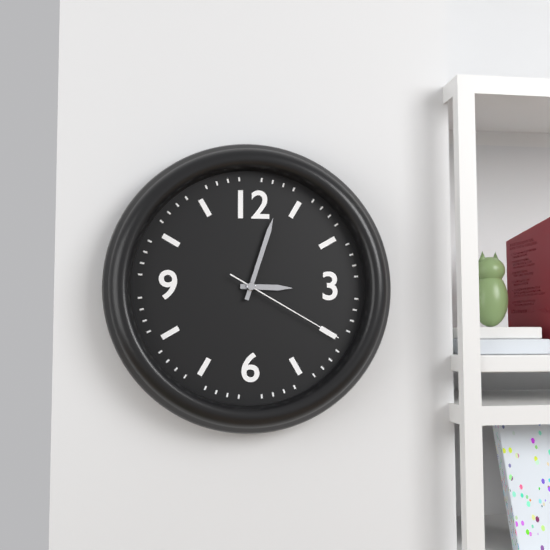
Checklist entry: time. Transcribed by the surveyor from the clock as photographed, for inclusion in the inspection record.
3:03:20
